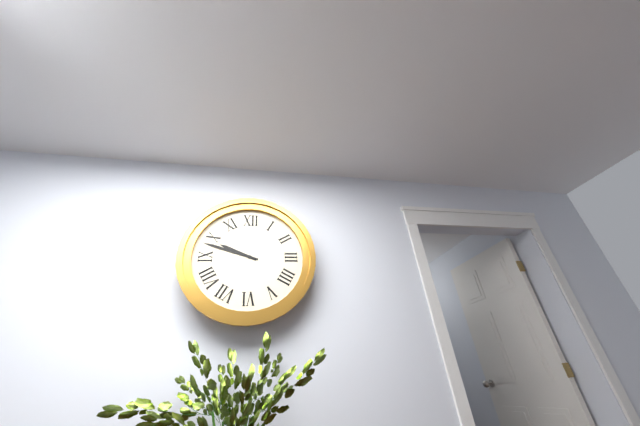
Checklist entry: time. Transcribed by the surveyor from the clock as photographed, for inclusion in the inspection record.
9:48
